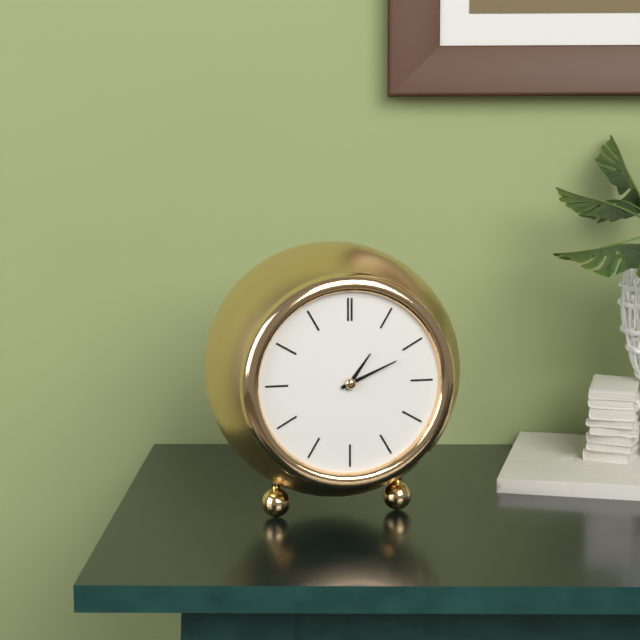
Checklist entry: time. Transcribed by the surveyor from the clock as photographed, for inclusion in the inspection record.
1:11
